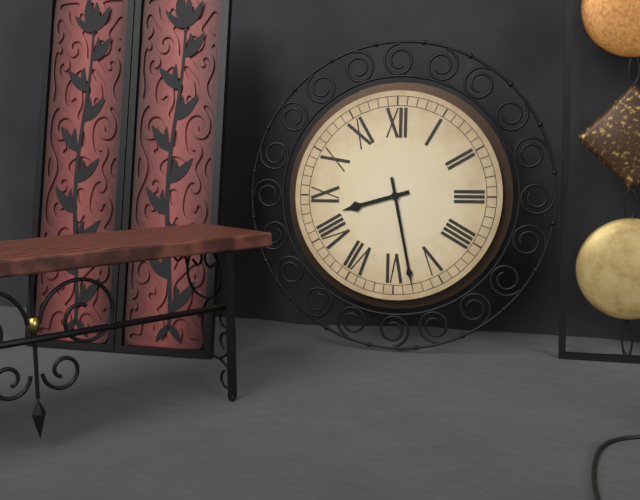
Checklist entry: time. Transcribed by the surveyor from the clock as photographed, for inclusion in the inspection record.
8:28
